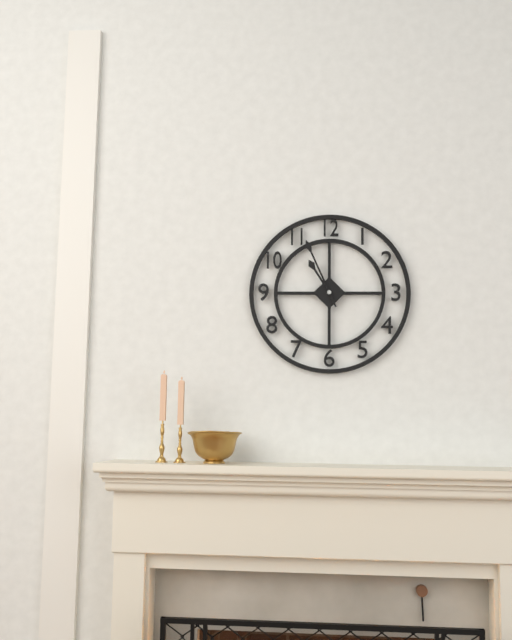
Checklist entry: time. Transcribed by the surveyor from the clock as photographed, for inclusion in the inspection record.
10:56
